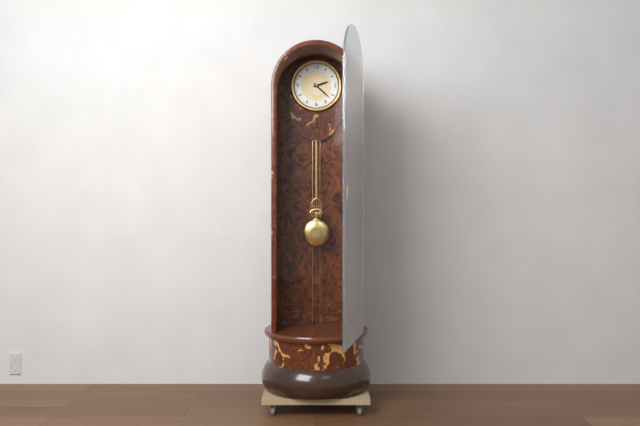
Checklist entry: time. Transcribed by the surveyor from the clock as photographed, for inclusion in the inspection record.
2:22
